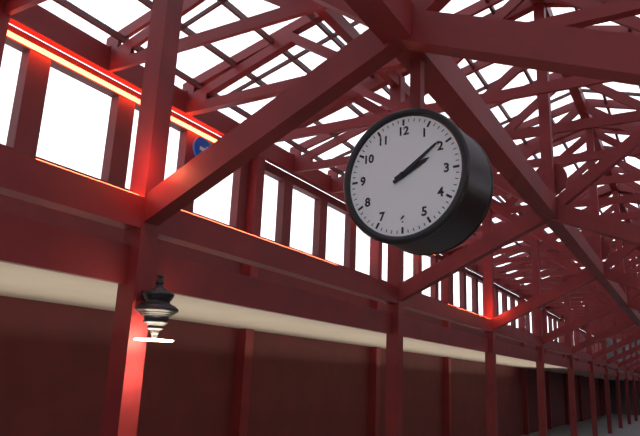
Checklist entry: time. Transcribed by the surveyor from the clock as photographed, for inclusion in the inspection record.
2:09
